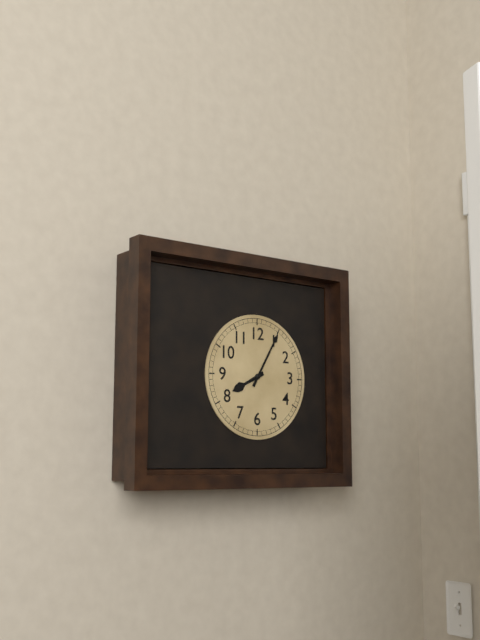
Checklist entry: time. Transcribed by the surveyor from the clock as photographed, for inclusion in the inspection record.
8:05
